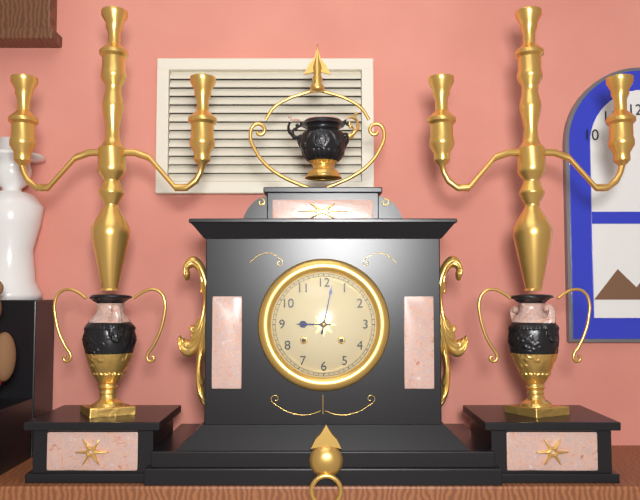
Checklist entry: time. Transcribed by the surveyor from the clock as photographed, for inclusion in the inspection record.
9:02
